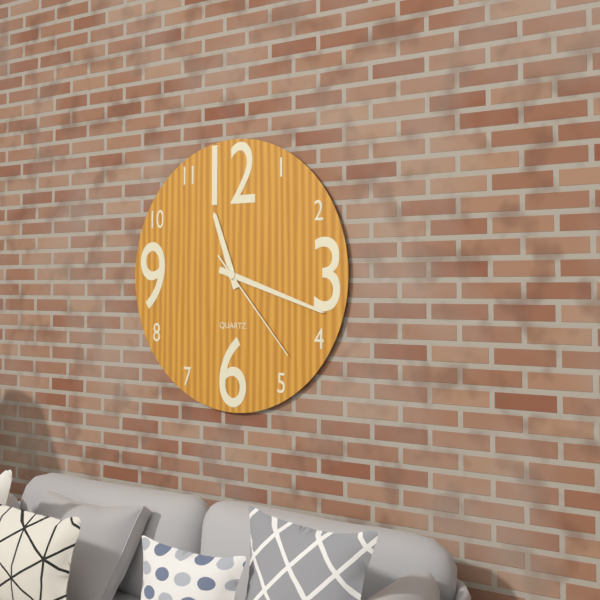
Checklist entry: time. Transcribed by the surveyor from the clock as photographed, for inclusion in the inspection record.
11:18:23
